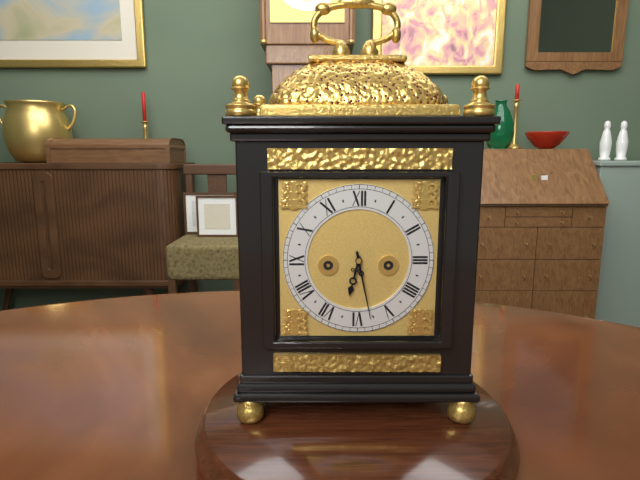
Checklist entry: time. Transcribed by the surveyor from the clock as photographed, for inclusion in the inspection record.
6:28
